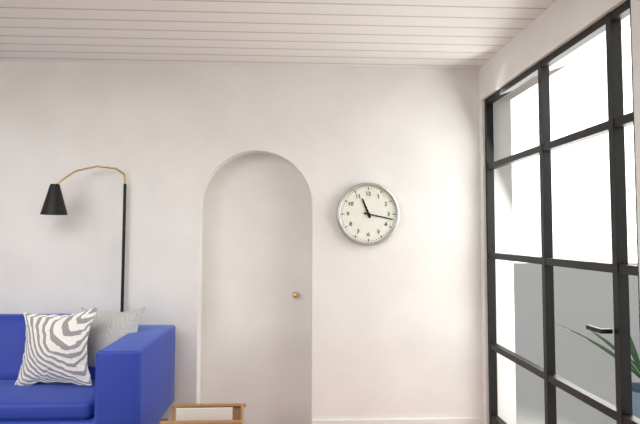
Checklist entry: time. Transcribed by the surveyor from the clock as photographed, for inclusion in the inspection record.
11:17
